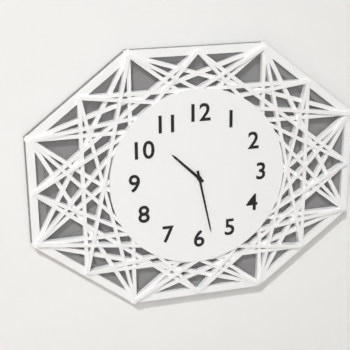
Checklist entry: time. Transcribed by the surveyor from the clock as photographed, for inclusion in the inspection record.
10:28
